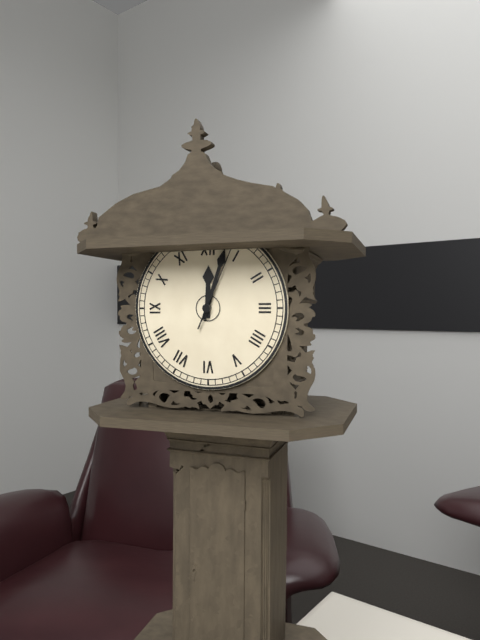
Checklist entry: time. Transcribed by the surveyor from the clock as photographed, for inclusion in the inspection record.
12:03:04
